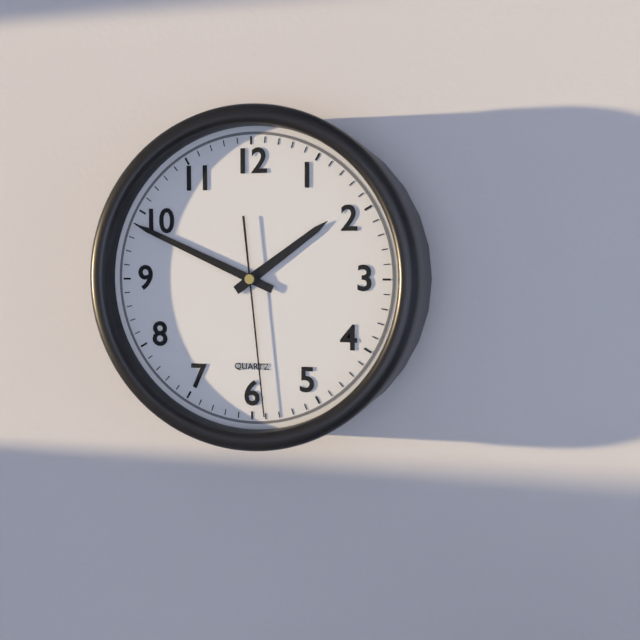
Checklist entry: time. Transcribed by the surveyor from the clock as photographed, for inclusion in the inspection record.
1:49:29
